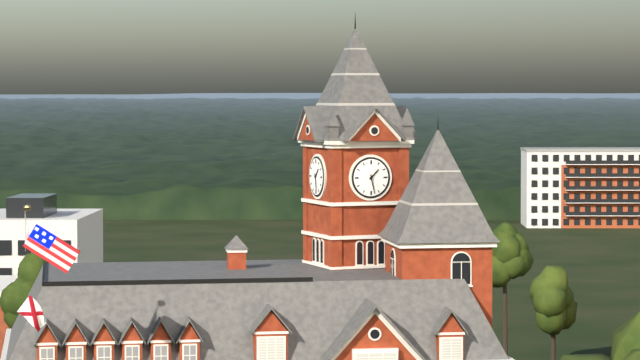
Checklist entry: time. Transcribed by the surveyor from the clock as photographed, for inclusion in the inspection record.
1:28
